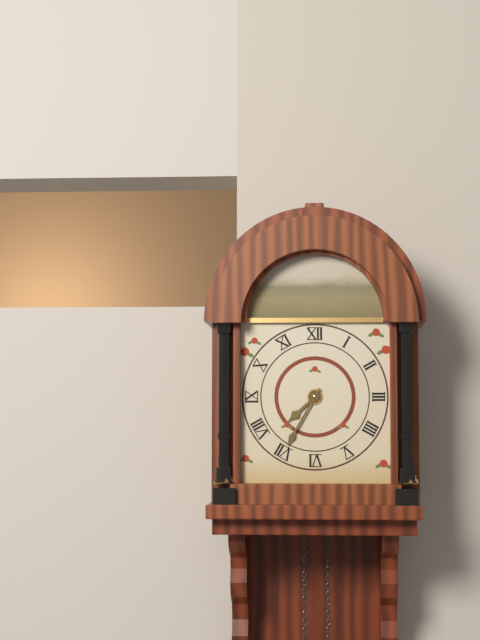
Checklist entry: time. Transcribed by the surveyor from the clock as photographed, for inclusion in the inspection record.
7:35
